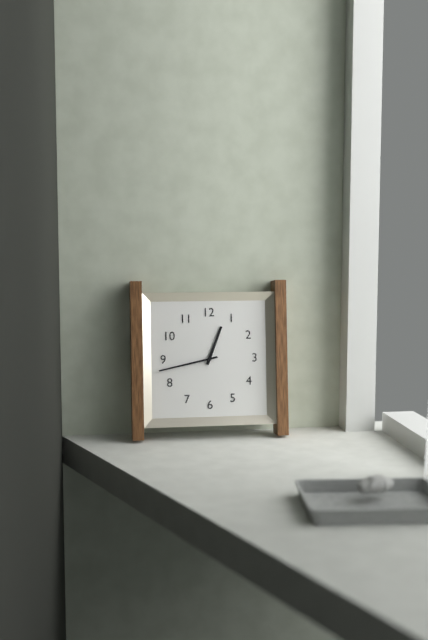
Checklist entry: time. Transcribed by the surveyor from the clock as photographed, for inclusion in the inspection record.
12:43
